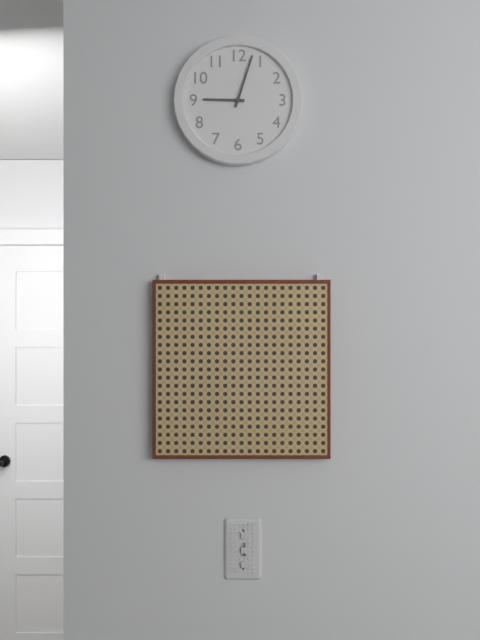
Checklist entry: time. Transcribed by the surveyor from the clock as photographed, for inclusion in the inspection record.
9:03
